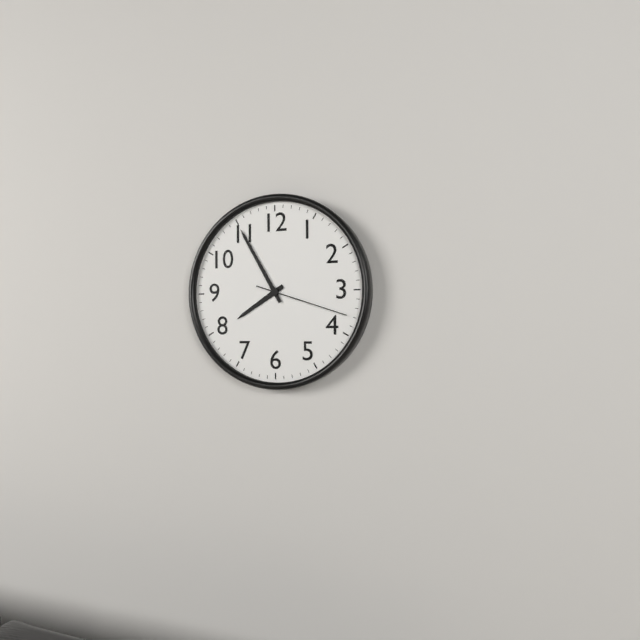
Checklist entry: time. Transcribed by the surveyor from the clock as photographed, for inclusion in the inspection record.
7:55:18
